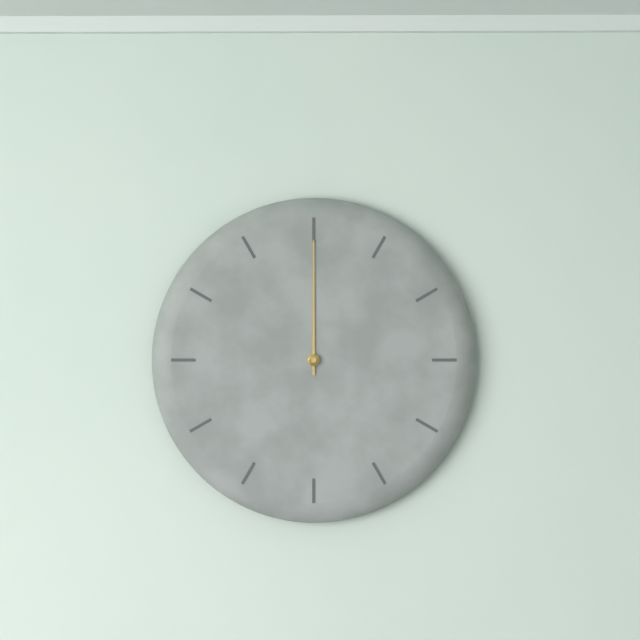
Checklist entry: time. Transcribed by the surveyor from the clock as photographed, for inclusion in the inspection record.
12:00
